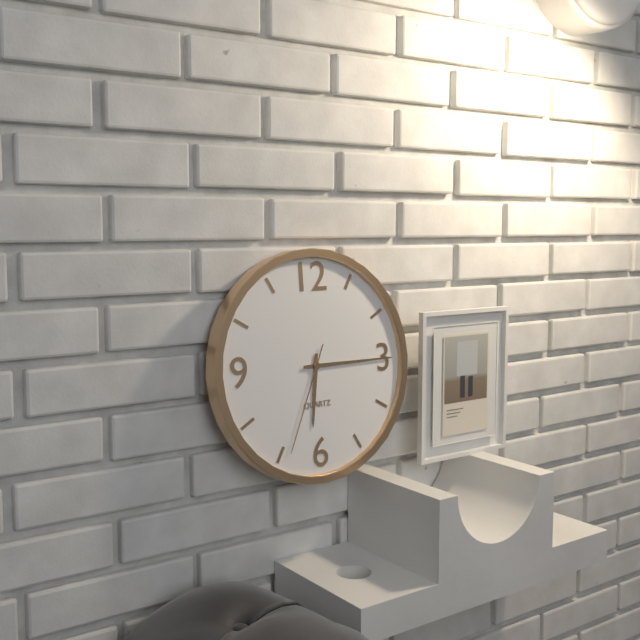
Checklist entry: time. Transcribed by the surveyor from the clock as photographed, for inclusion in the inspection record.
6:15:34
